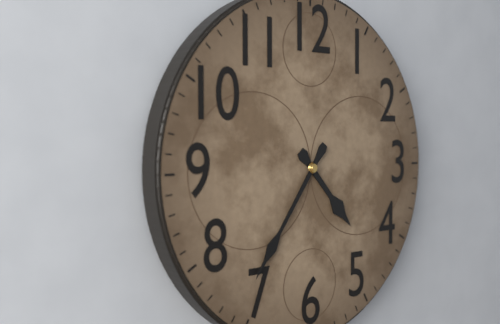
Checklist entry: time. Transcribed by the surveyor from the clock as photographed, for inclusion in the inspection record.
4:36
